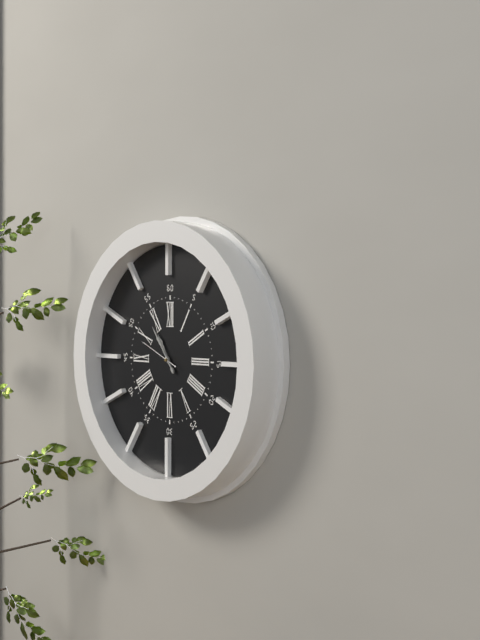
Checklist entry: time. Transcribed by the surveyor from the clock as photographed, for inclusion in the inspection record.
10:54
